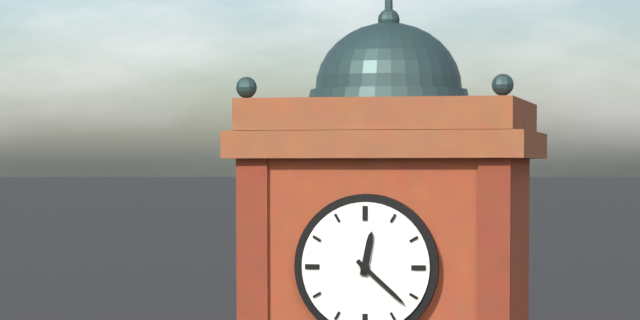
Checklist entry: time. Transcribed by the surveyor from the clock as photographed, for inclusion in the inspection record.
12:22
